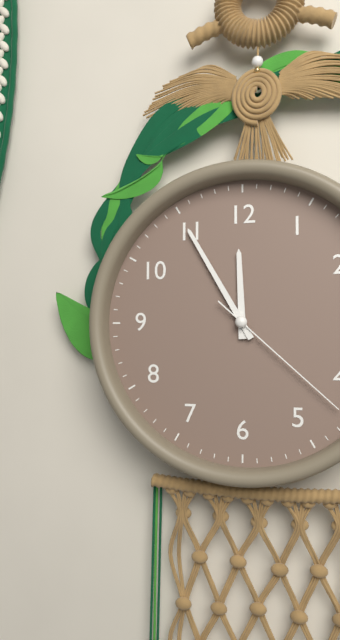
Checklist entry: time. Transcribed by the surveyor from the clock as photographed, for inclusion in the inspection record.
11:55:22
